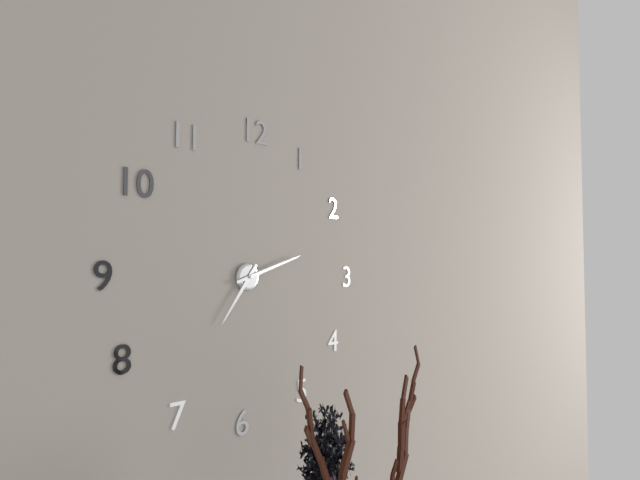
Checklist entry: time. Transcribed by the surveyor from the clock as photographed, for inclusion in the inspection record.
7:12
